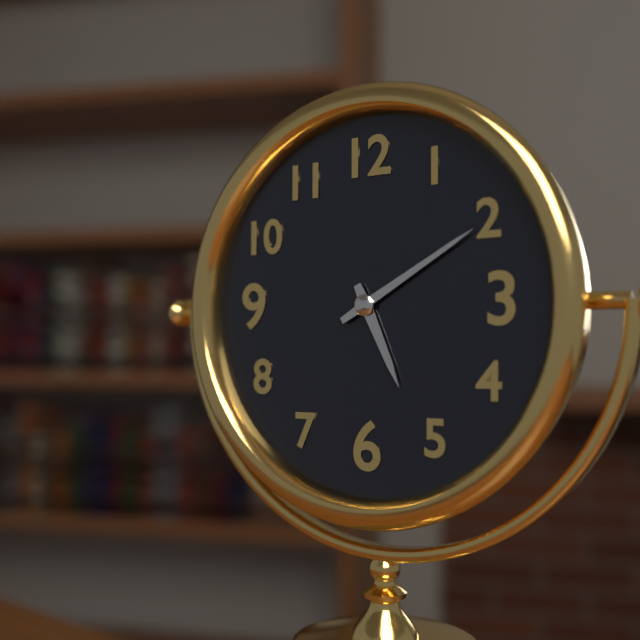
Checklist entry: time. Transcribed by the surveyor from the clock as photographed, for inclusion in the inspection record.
5:10
